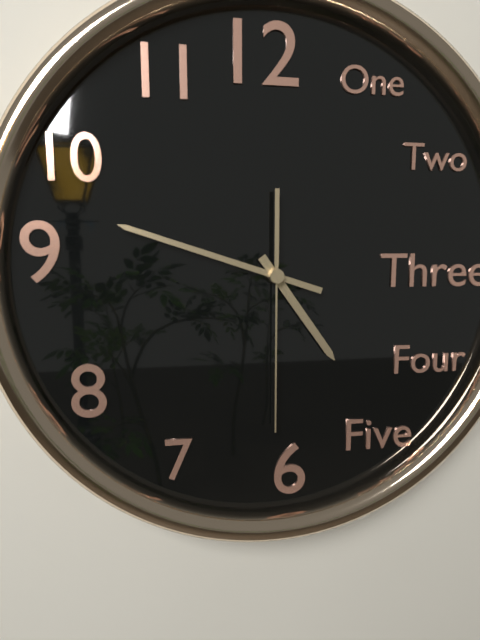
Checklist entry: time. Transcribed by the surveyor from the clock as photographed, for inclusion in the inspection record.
4:48:30
